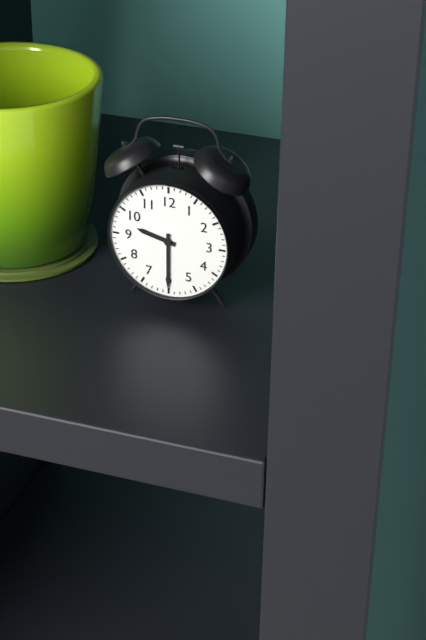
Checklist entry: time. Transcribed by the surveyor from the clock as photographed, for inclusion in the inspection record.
9:30
